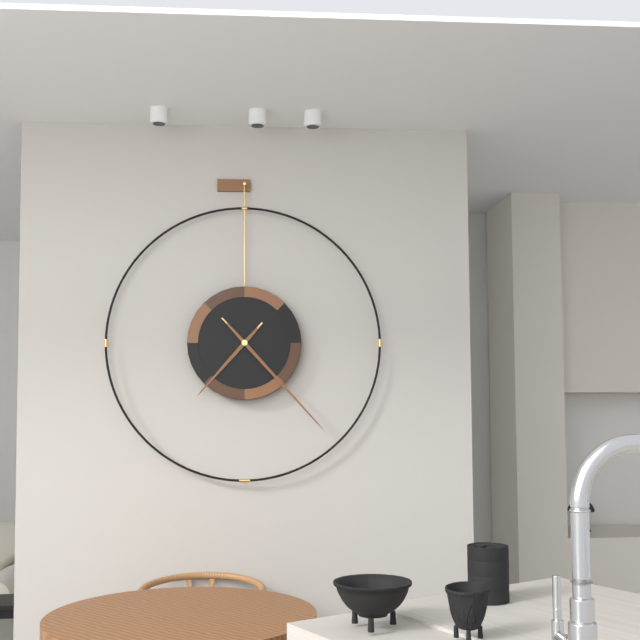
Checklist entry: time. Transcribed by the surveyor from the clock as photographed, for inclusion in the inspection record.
7:23
